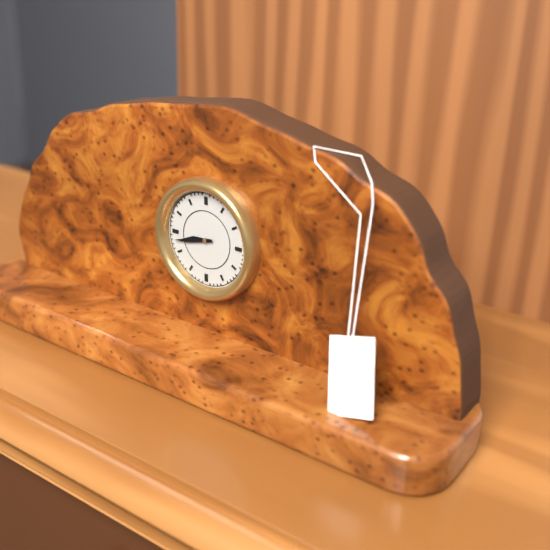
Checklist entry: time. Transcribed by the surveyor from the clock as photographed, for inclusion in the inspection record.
8:43
